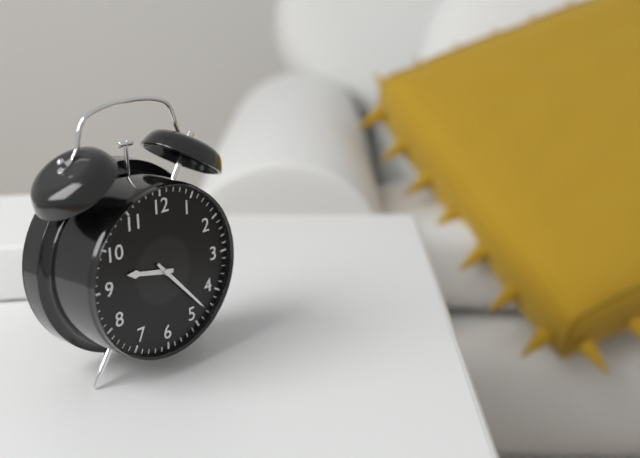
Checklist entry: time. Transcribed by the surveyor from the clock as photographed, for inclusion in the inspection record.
9:23
